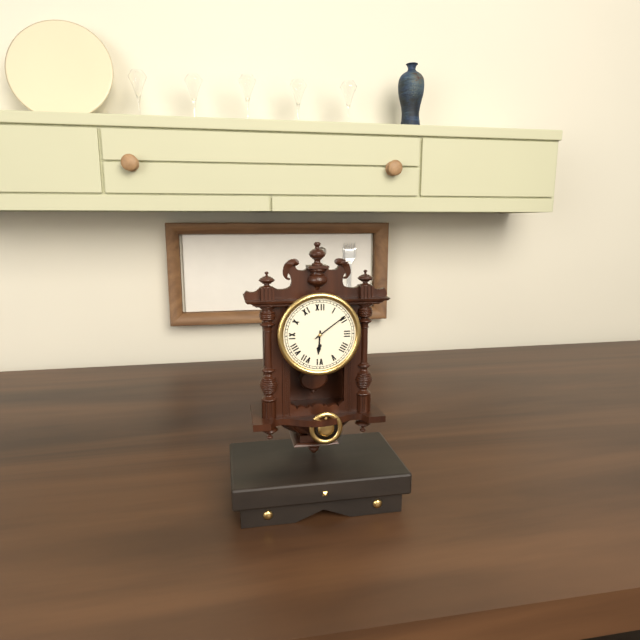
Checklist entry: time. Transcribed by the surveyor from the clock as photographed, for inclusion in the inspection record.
6:09
